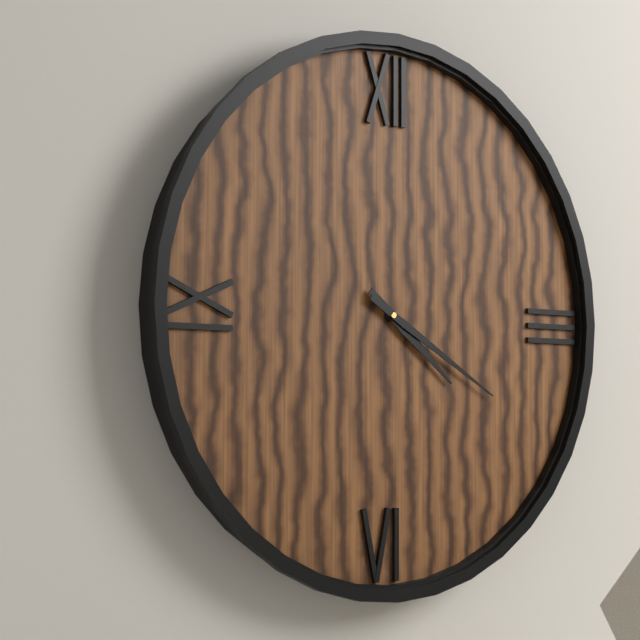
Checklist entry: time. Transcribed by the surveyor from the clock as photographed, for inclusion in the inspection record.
4:20
